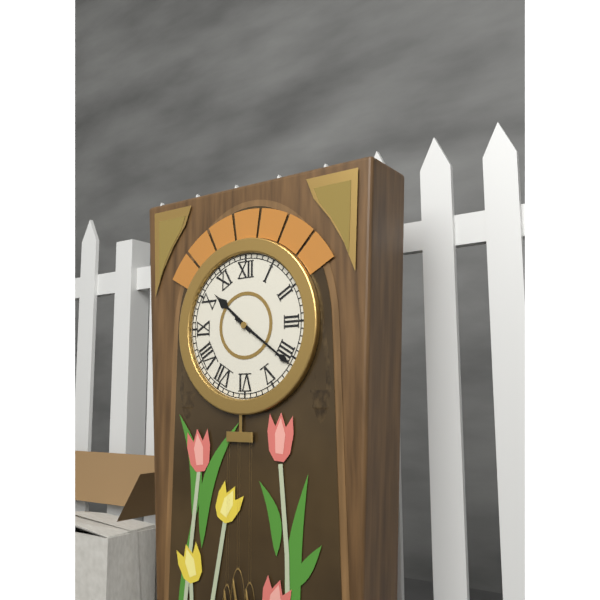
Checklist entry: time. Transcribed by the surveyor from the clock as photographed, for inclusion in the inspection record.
10:21
